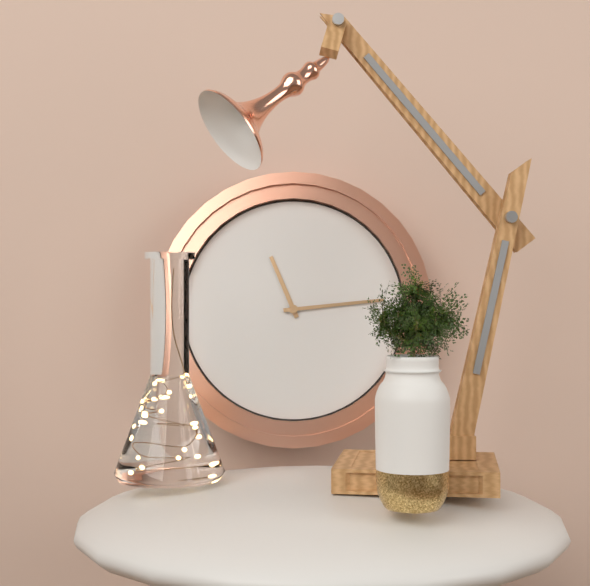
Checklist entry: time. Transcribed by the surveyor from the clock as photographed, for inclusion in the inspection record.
11:14
